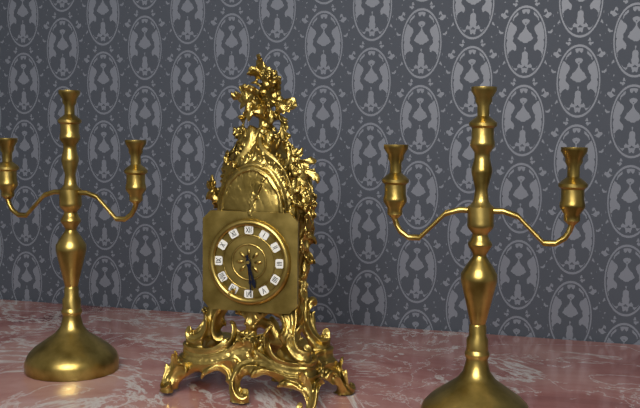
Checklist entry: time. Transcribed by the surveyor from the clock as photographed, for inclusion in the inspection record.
5:29
